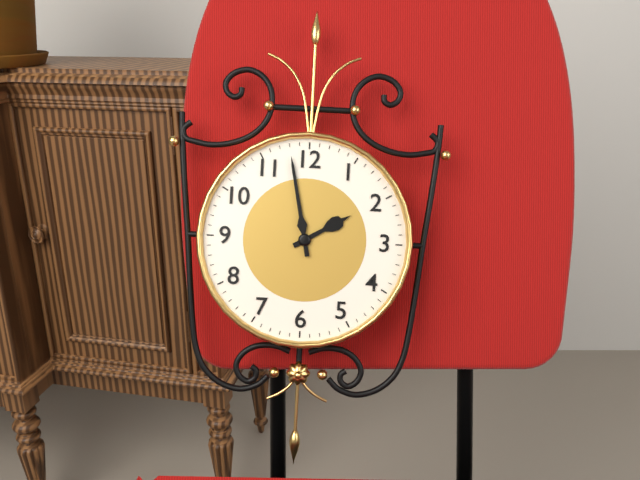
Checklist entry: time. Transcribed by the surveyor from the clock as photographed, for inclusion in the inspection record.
1:58
